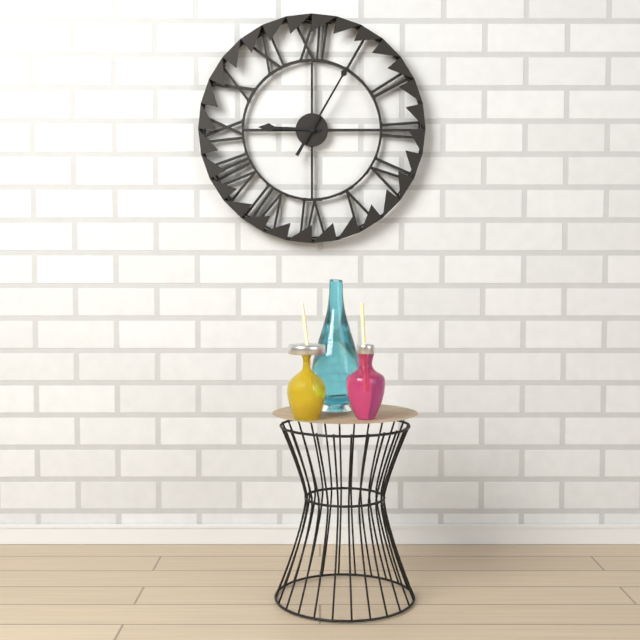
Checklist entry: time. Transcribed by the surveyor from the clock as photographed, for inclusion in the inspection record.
9:05
